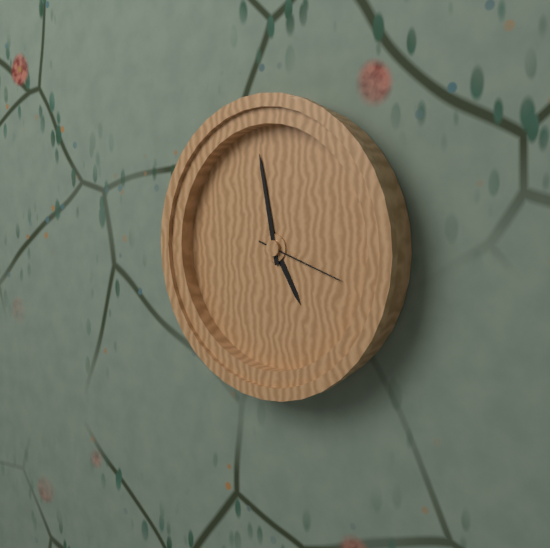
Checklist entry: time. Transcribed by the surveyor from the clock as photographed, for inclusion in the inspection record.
4:58:18
